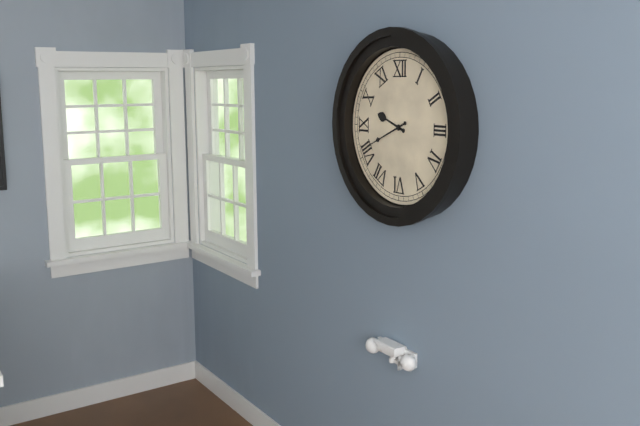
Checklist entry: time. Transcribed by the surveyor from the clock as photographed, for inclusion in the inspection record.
9:41
